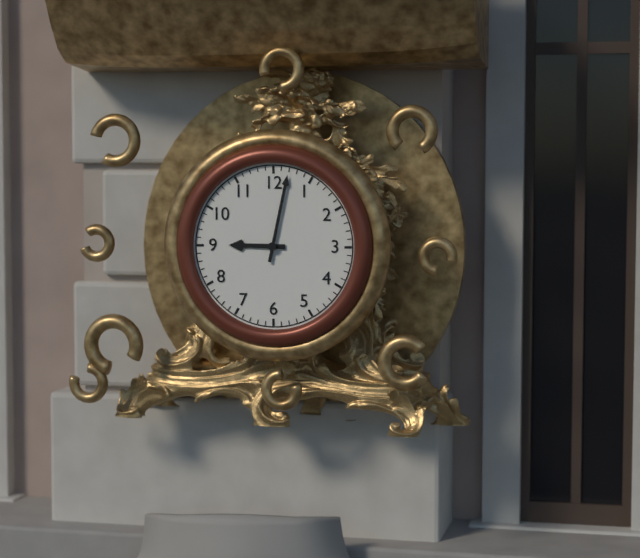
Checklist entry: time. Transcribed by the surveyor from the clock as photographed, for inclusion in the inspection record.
9:02
